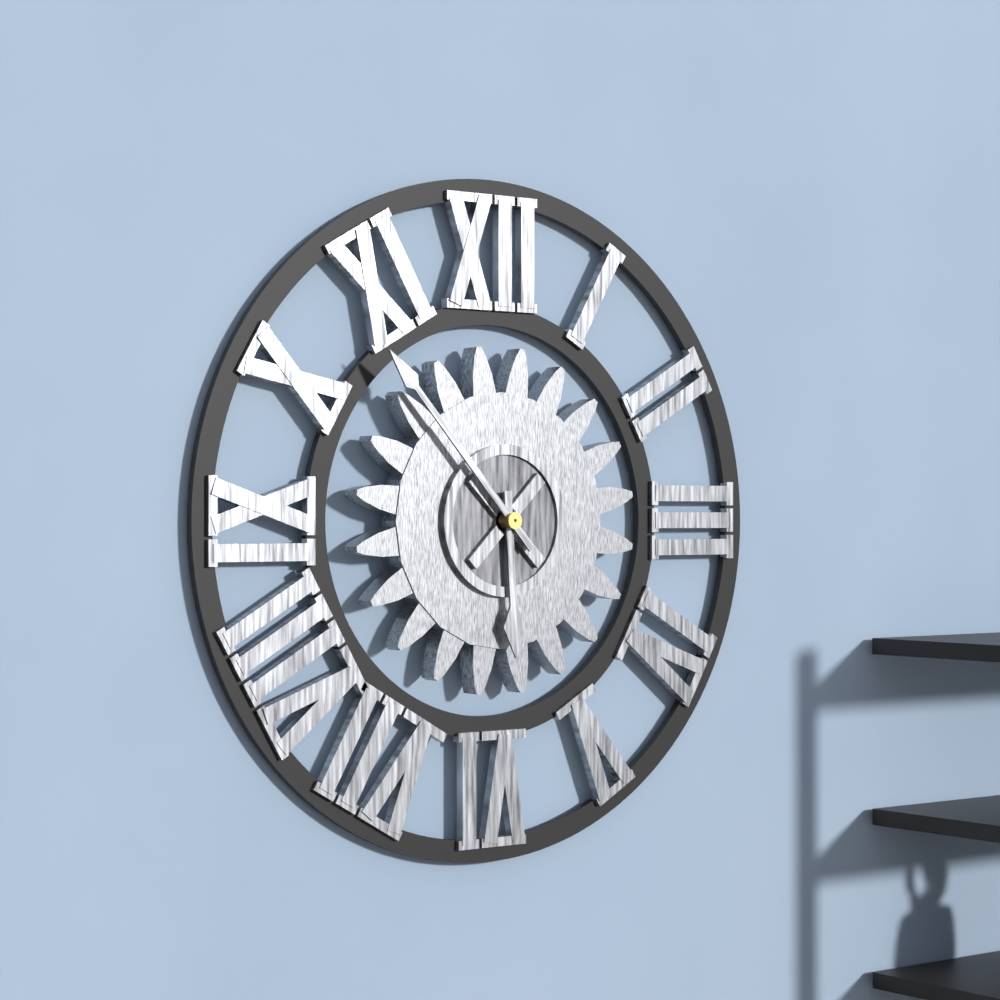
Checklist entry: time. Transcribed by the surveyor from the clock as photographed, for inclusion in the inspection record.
5:53
